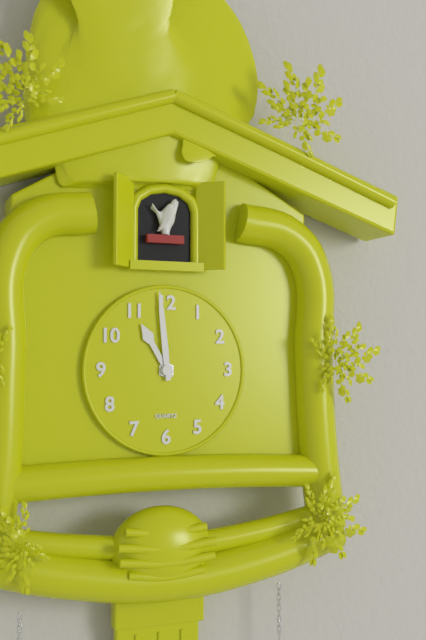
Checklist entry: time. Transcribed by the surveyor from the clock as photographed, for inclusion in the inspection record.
10:59
